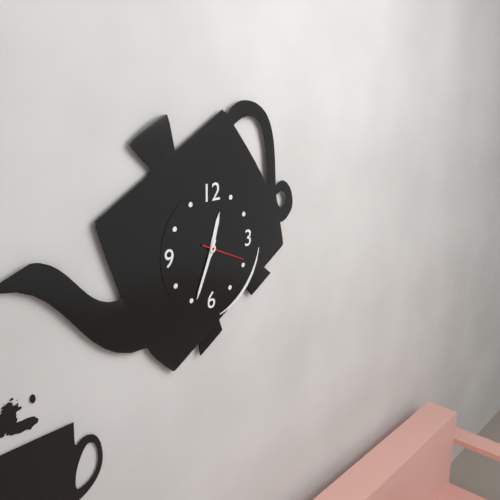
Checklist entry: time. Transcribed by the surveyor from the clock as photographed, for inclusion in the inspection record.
12:34
